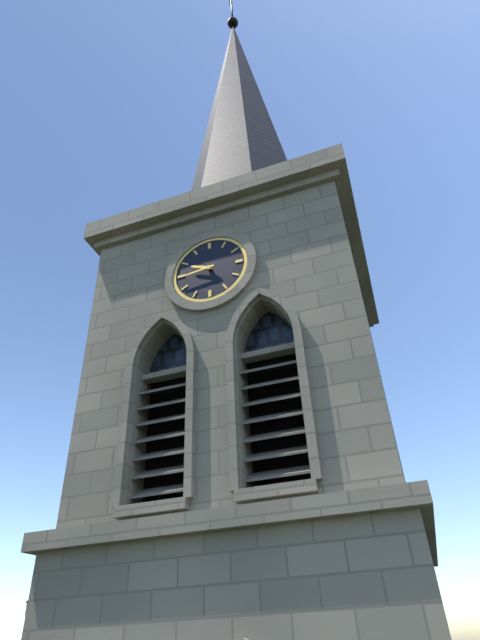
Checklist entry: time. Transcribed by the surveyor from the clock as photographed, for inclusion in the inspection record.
9:44
